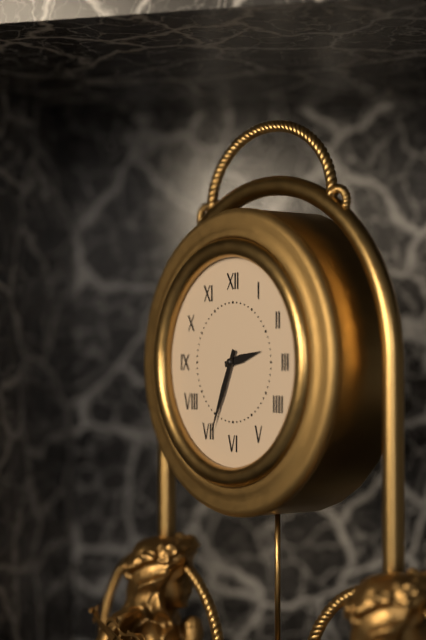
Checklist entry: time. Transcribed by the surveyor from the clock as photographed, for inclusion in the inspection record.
2:34
